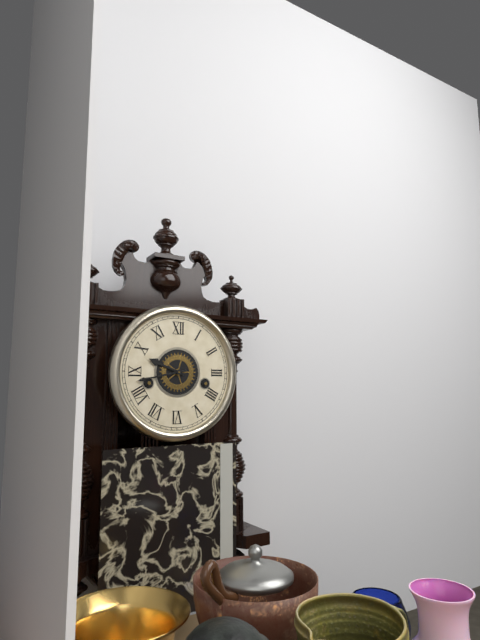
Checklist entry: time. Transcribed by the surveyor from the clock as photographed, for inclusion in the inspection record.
9:43
